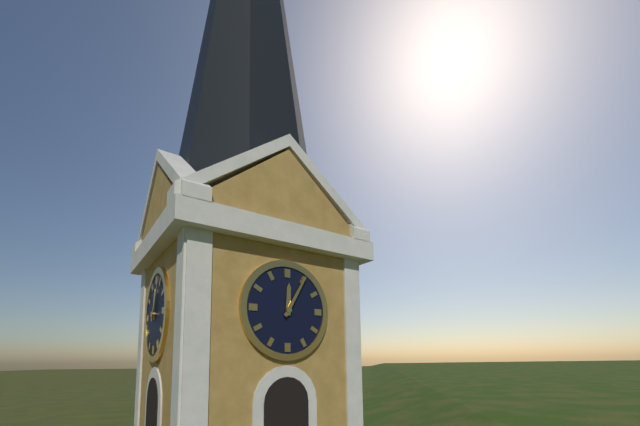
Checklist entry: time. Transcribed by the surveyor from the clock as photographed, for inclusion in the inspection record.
12:05
